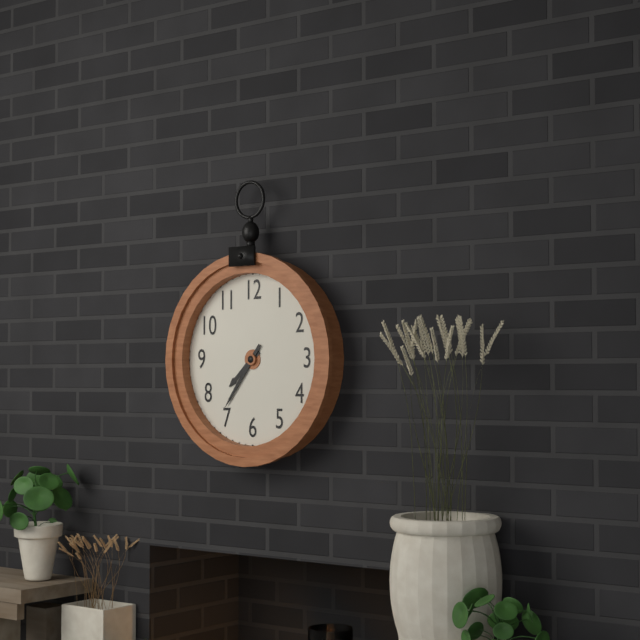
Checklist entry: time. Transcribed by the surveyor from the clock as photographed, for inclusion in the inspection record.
7:36
